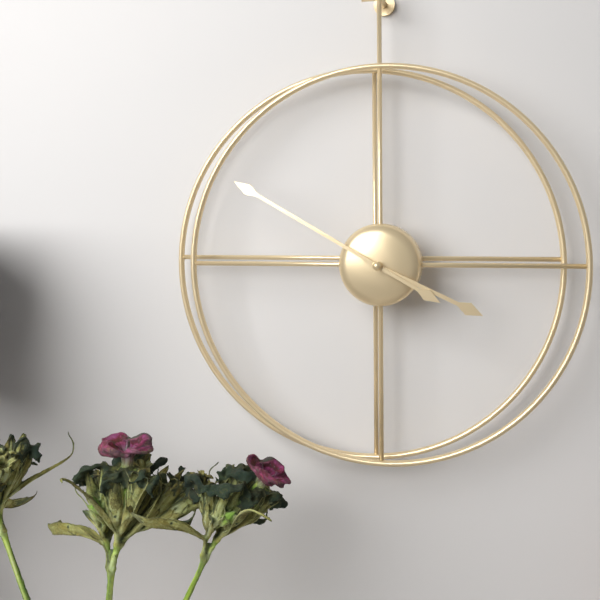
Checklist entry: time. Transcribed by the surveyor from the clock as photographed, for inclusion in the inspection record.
3:50
